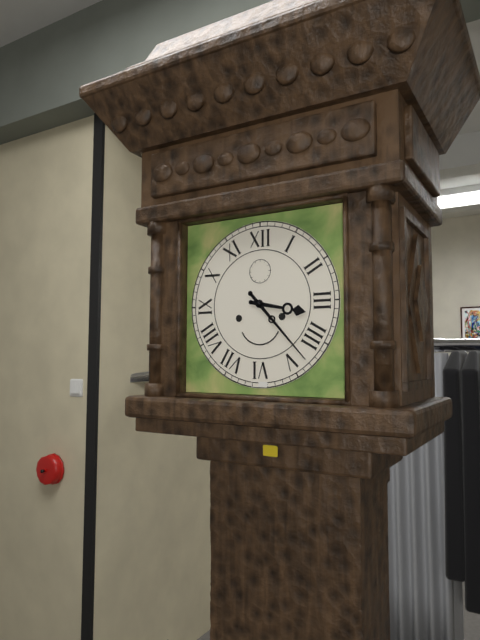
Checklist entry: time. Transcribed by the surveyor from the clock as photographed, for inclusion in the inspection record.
3:23
